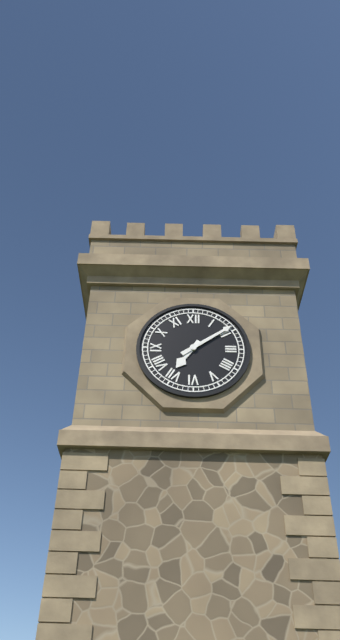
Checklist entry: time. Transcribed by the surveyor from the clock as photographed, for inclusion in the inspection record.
7:09
